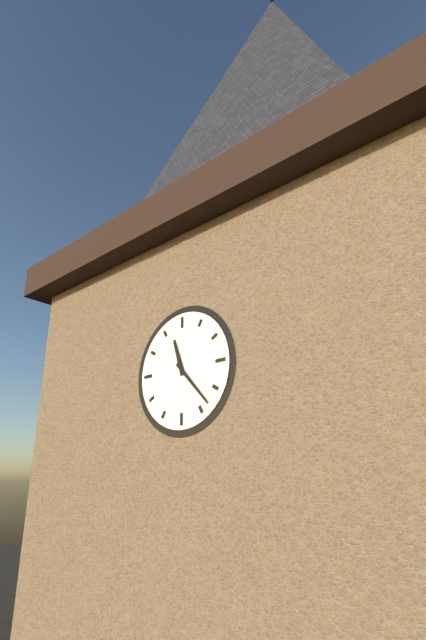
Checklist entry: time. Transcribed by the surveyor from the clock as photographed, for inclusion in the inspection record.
11:23
